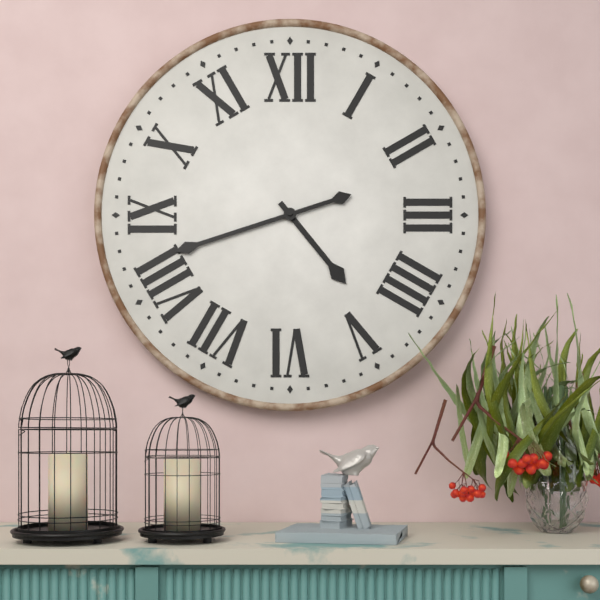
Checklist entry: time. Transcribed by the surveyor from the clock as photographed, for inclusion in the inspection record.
4:42
